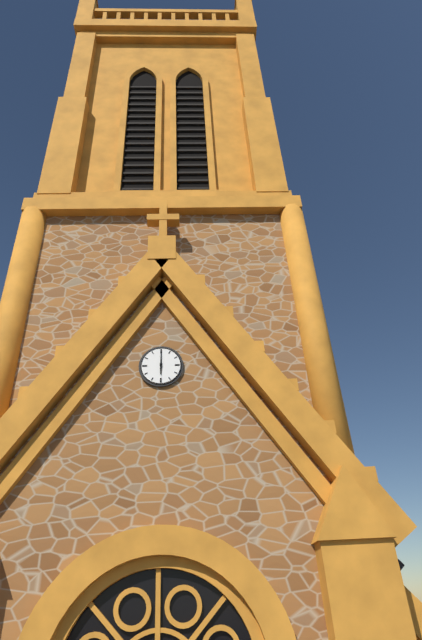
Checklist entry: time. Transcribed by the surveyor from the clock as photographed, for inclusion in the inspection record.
6:00
